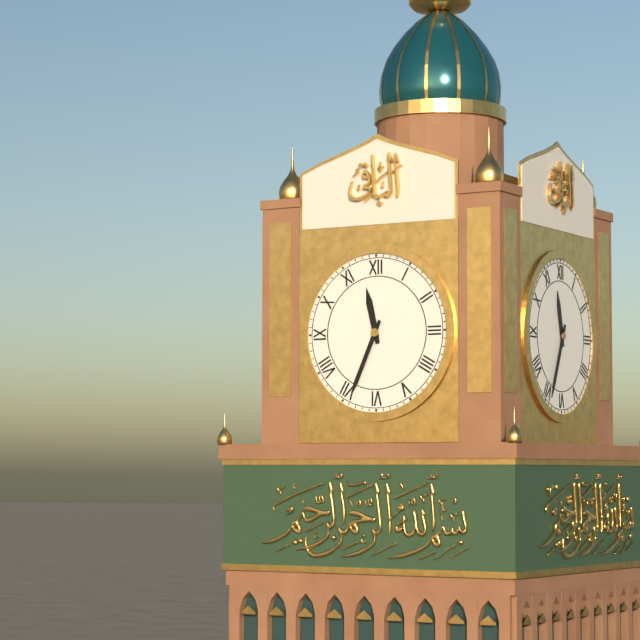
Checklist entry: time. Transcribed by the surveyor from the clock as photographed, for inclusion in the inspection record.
11:34
